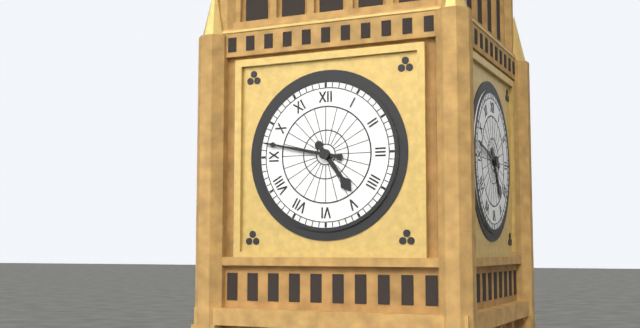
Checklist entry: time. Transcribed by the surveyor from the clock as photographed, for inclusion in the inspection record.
4:47
